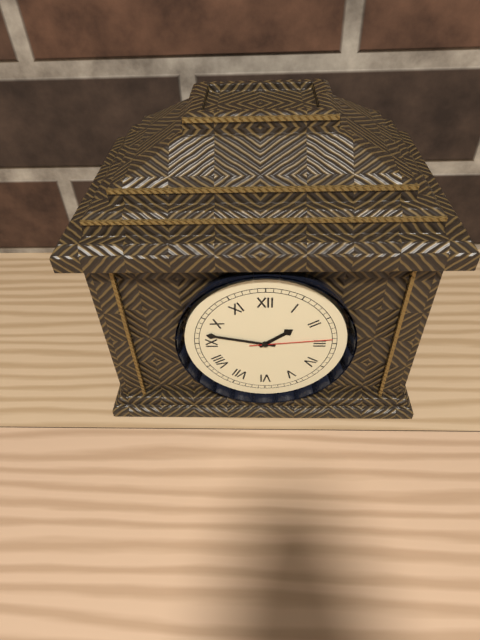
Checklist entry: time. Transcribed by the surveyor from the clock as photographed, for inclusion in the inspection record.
1:47:14
